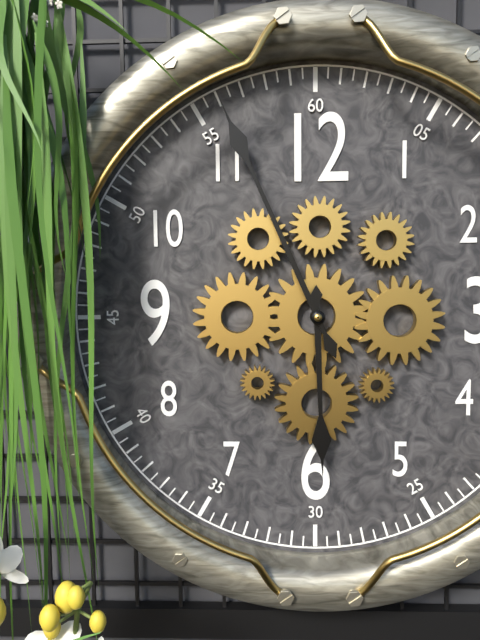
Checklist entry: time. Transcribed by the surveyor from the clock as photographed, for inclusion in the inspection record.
5:56
